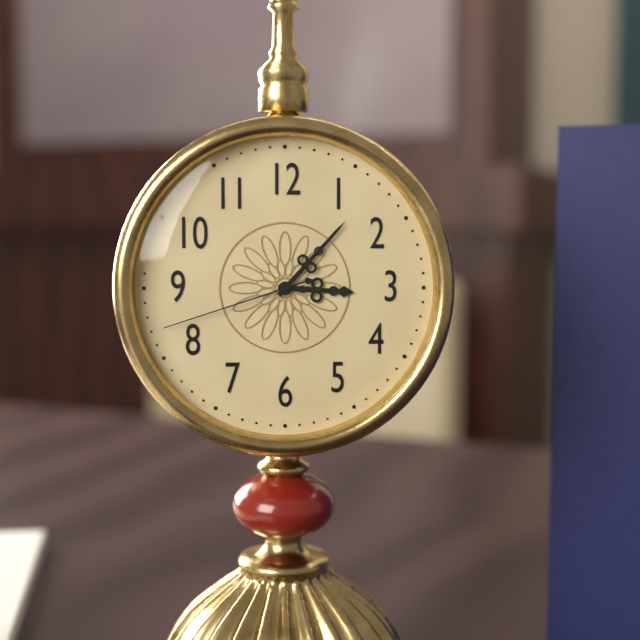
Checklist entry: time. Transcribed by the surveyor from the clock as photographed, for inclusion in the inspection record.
3:07:42
